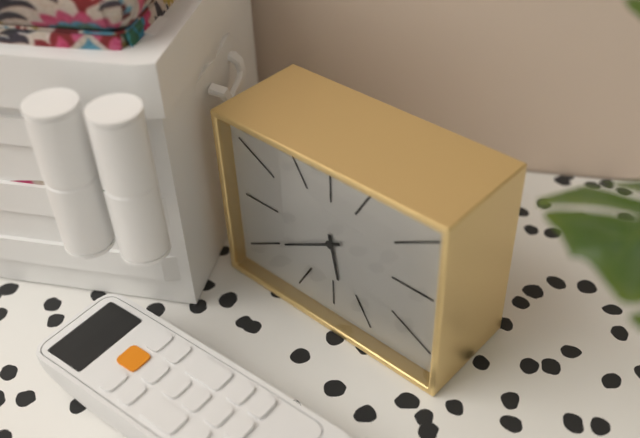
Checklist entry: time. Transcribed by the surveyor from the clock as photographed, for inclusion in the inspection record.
5:40
